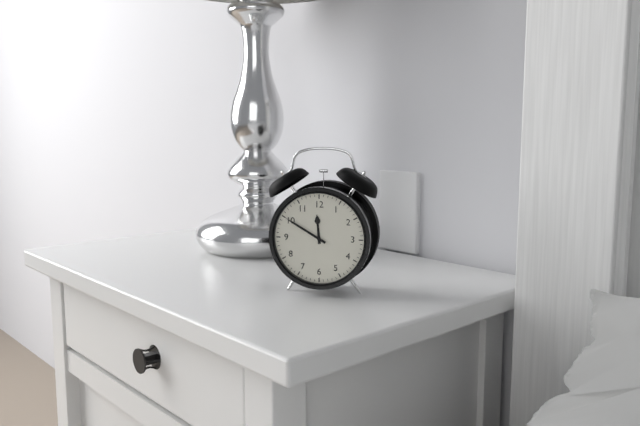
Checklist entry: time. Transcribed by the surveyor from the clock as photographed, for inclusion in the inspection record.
11:50
